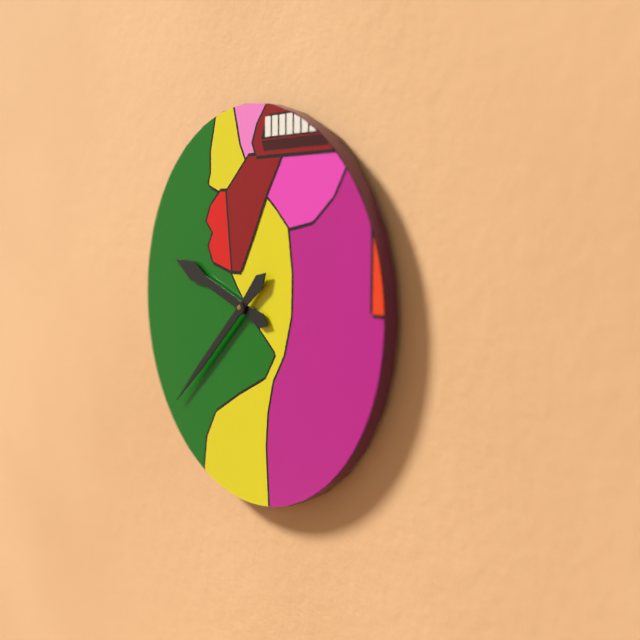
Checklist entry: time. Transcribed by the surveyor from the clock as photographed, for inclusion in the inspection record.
9:38
